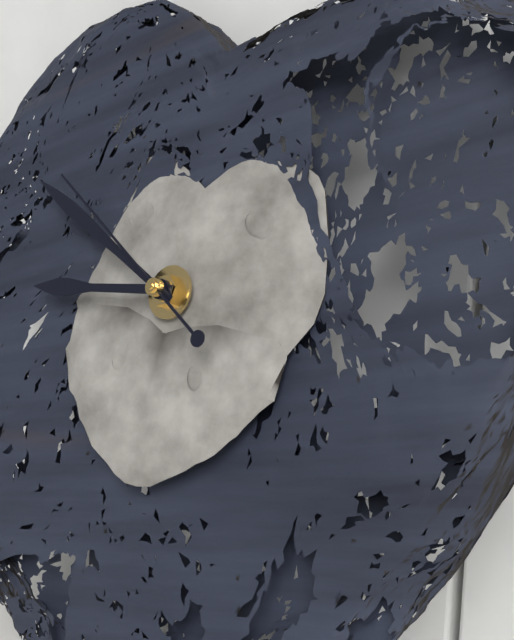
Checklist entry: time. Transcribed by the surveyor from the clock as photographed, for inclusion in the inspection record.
8:49:50
